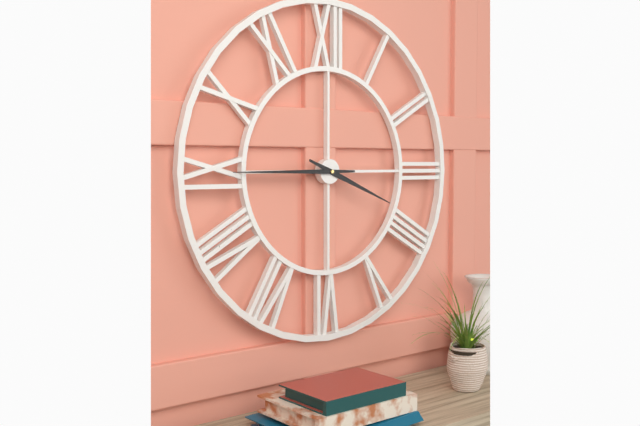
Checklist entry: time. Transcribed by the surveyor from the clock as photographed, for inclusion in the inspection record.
3:45
